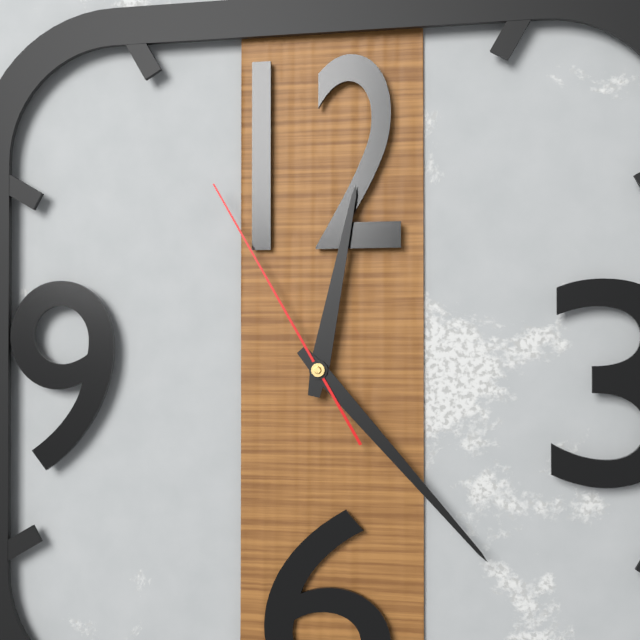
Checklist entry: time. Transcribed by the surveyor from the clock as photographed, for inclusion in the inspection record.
12:23:55
